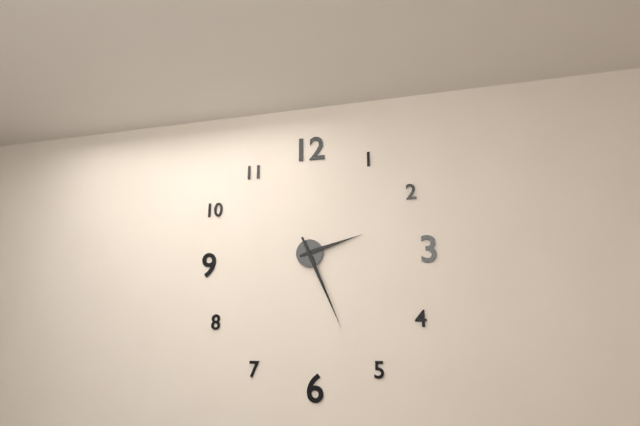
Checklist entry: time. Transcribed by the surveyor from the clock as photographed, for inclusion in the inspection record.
2:26
